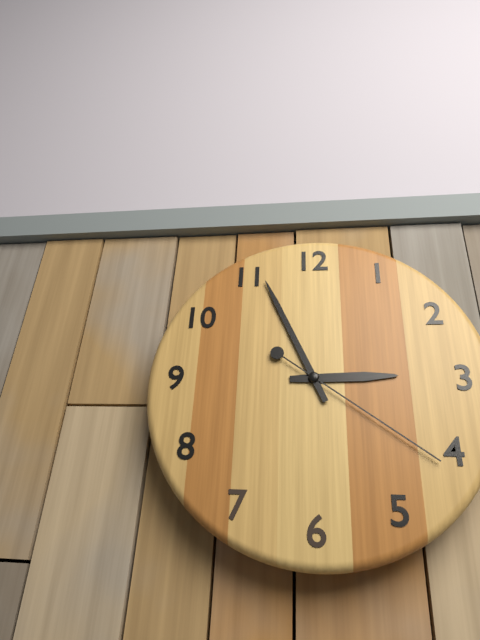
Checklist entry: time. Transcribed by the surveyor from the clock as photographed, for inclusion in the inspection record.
2:56:21
